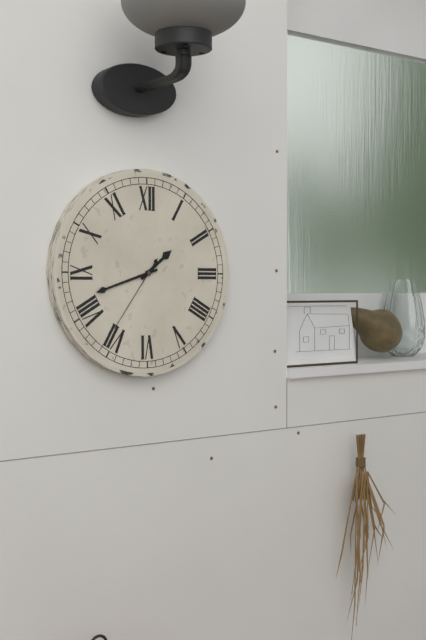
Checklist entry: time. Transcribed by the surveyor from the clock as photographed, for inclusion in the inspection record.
1:42:36
